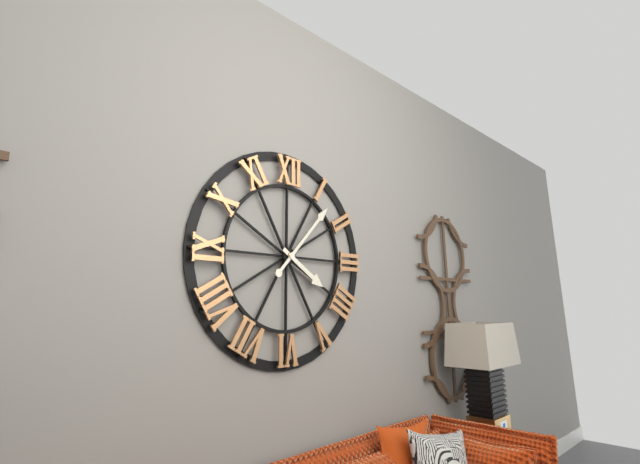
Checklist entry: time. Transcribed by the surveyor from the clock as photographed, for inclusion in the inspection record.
4:07
